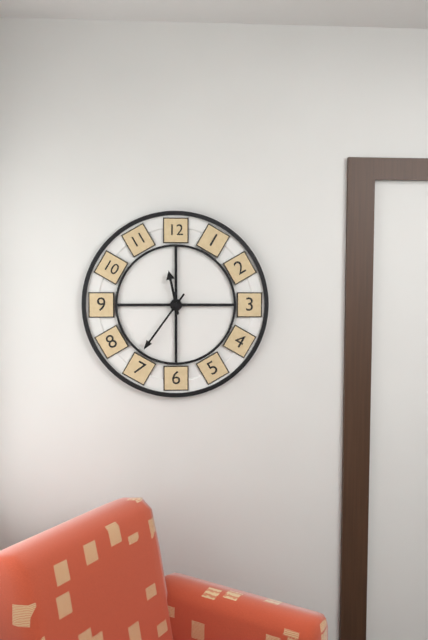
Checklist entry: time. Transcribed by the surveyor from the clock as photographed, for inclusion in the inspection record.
11:36
